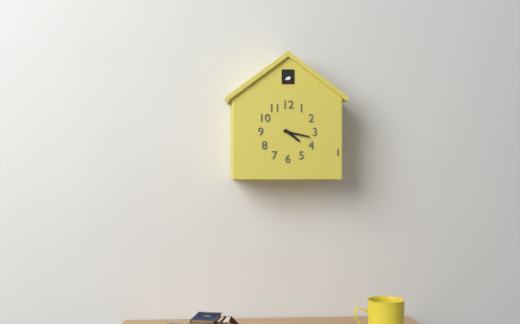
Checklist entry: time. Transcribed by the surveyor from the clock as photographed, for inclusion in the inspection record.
4:17
